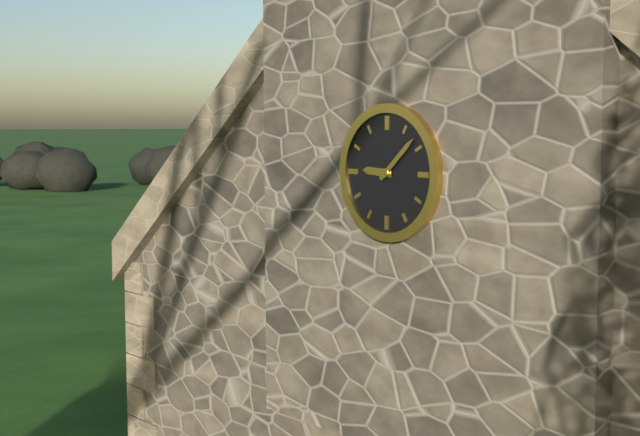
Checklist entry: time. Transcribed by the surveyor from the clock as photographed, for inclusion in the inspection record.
9:08
